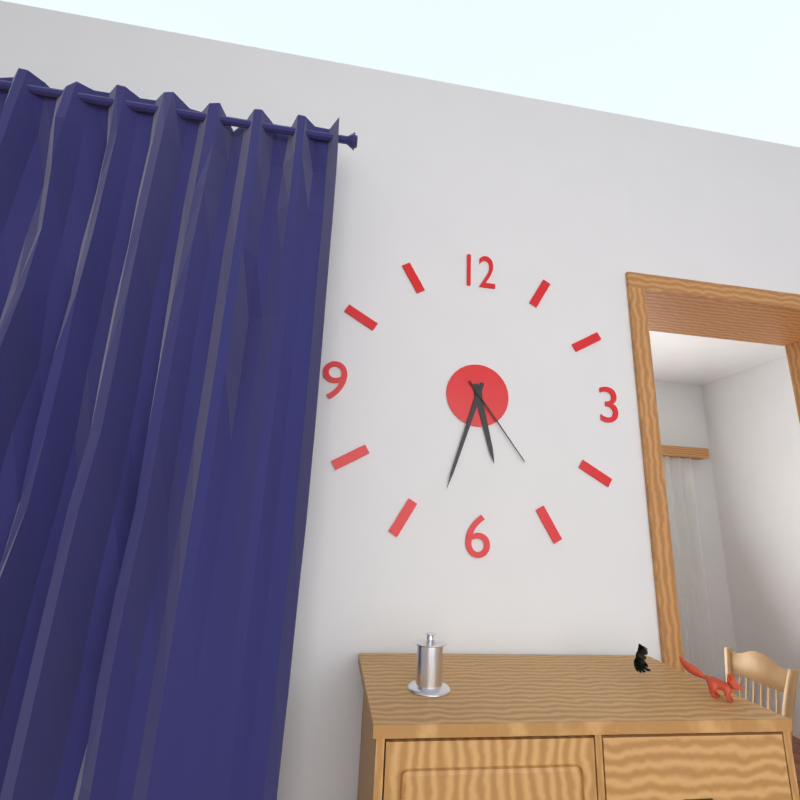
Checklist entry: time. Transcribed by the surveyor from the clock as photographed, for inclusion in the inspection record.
5:33:24
